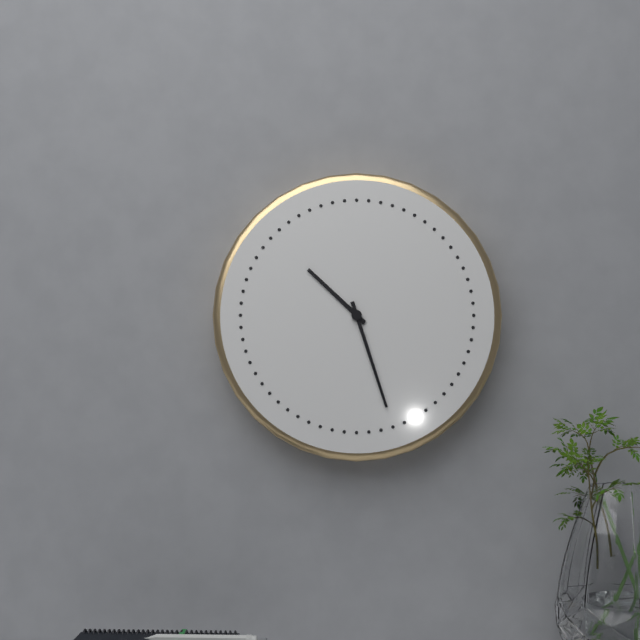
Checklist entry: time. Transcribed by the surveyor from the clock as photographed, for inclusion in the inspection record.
10:27
